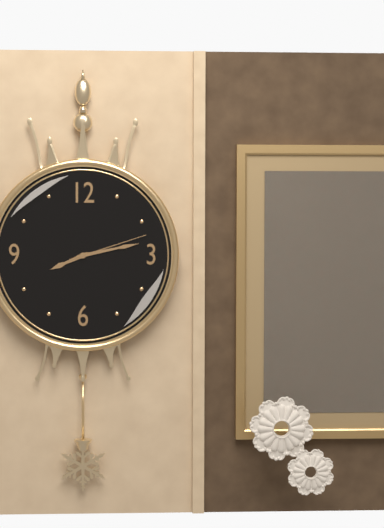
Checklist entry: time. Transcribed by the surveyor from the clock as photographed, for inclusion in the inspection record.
8:13:12
